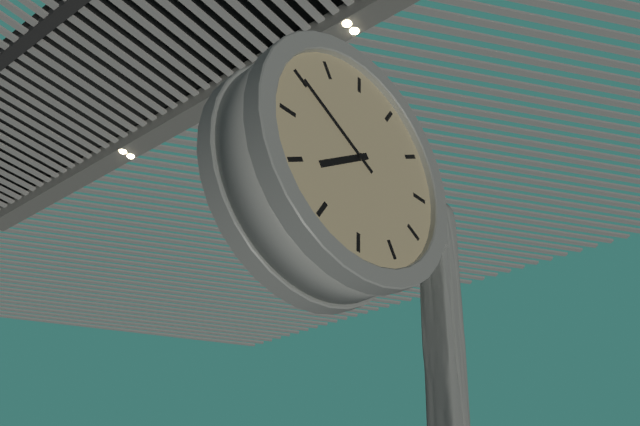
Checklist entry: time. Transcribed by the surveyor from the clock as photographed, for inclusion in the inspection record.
7:50
